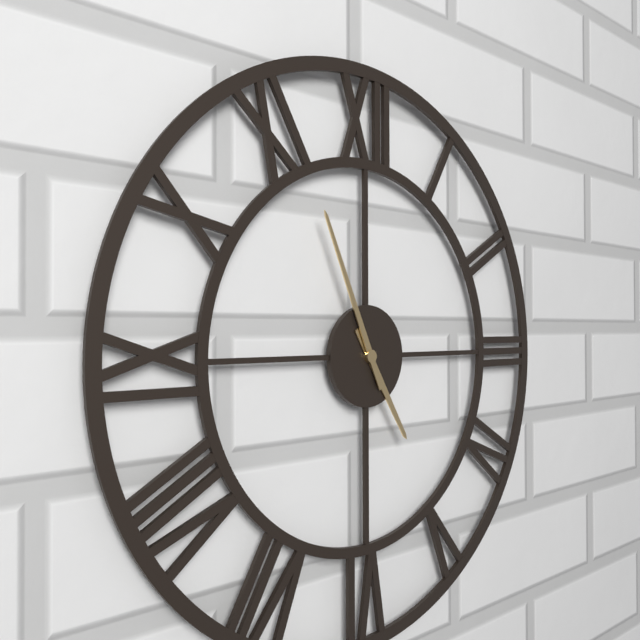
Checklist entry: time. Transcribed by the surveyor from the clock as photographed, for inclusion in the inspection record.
4:56
